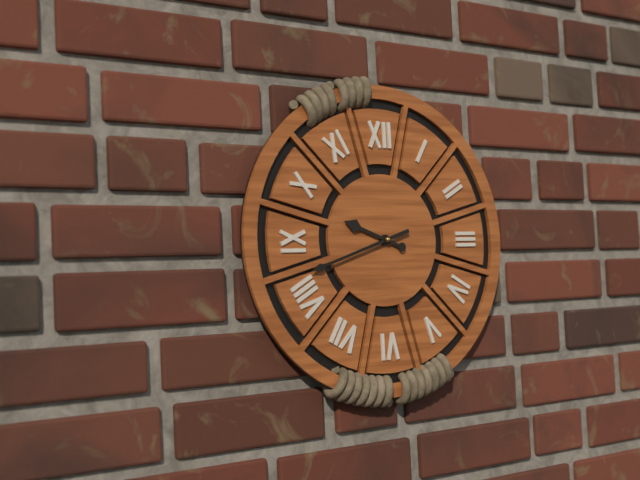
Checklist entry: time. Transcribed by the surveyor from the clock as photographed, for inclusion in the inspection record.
9:42
